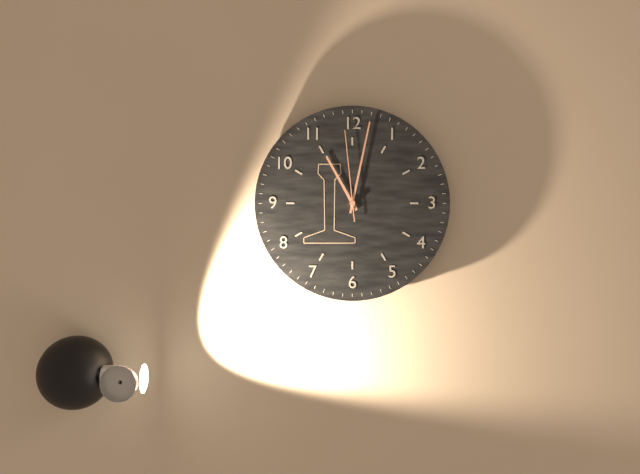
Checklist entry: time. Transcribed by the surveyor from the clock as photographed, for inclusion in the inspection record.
11:02:59
